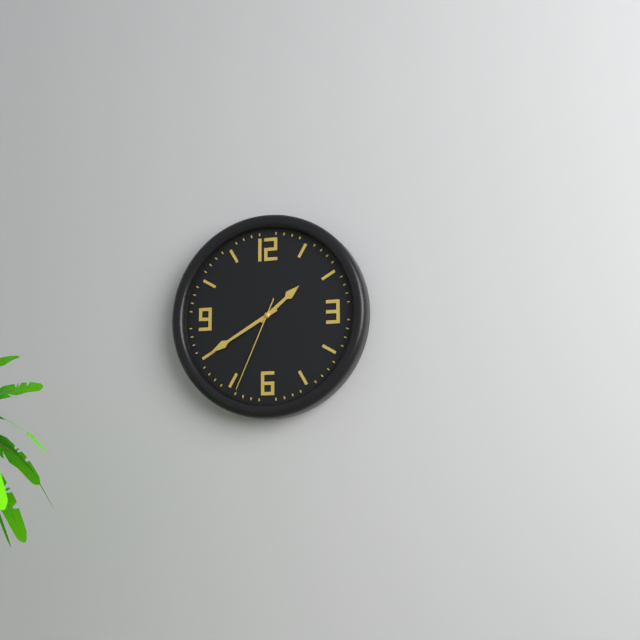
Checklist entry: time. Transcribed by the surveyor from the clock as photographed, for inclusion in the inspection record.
1:40:34
